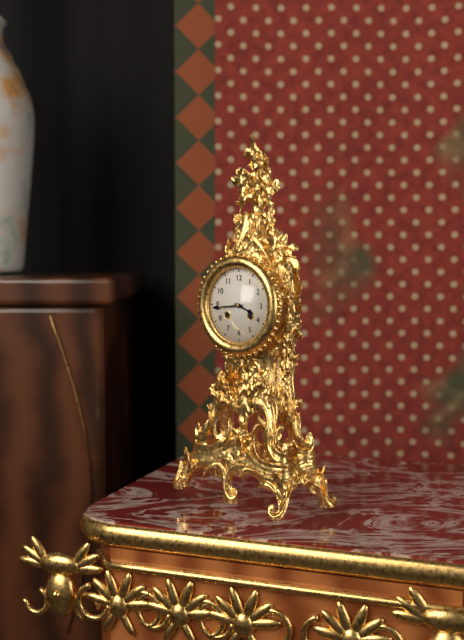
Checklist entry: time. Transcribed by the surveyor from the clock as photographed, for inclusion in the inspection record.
3:44
